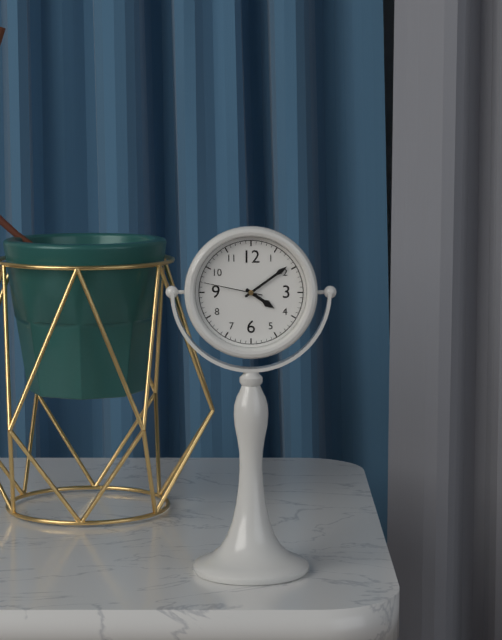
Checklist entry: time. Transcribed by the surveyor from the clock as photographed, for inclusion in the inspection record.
4:09:47
